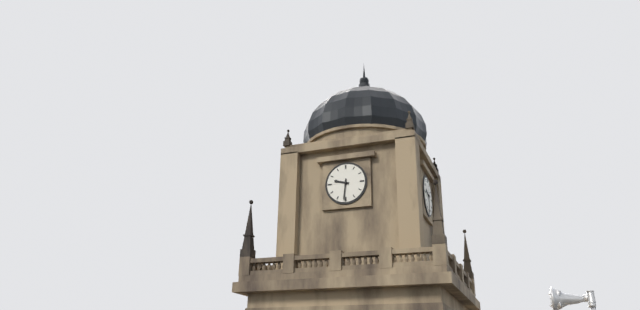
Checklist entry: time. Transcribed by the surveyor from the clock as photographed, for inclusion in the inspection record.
9:31
